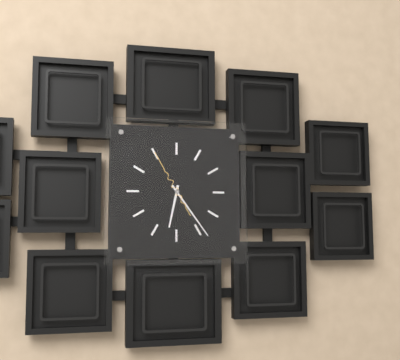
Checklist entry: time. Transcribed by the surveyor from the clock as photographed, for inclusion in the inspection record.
6:24:55
